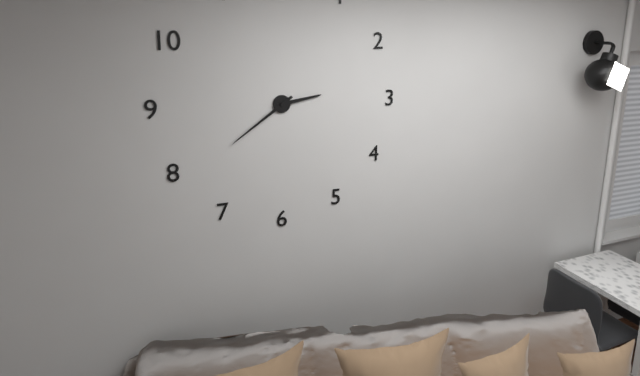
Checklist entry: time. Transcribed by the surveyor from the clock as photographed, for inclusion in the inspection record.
2:39
